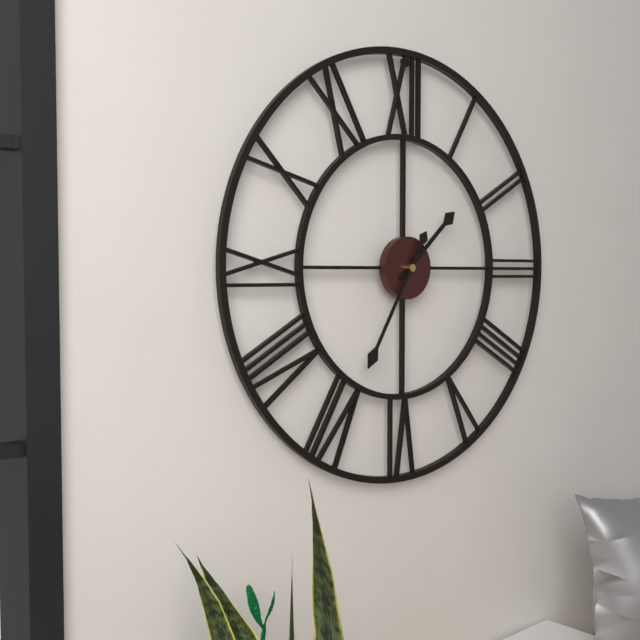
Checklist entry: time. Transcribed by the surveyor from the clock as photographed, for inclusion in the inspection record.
1:35
